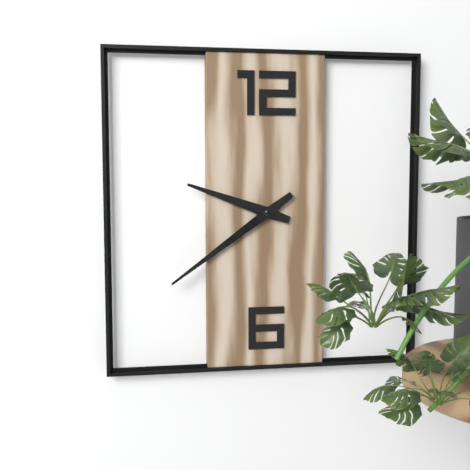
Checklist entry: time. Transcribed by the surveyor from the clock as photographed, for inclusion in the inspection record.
9:39
